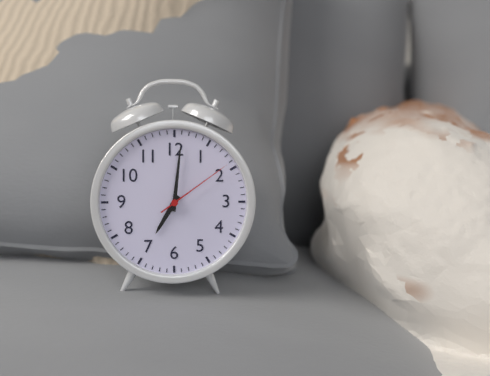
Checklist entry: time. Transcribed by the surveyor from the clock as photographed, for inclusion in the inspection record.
7:01:09
